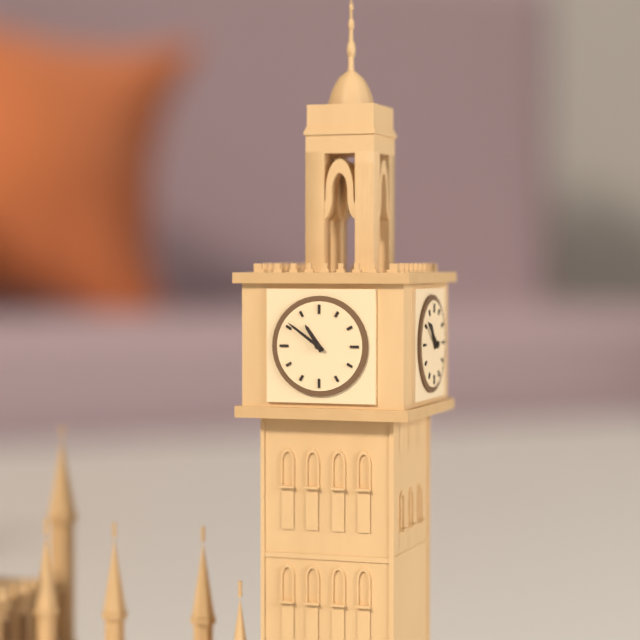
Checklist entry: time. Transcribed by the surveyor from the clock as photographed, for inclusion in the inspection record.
10:51
